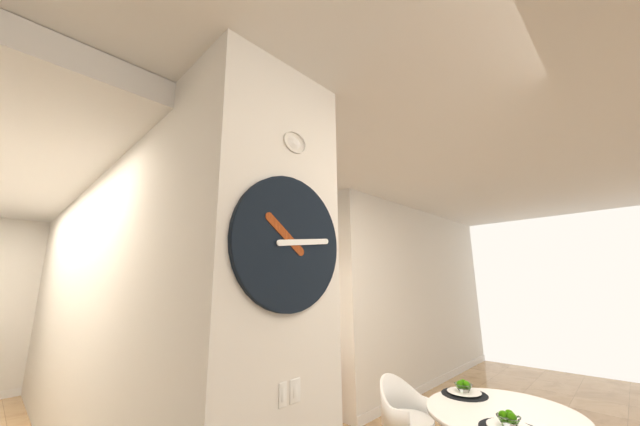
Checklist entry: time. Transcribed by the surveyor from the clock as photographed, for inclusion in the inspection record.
10:14
